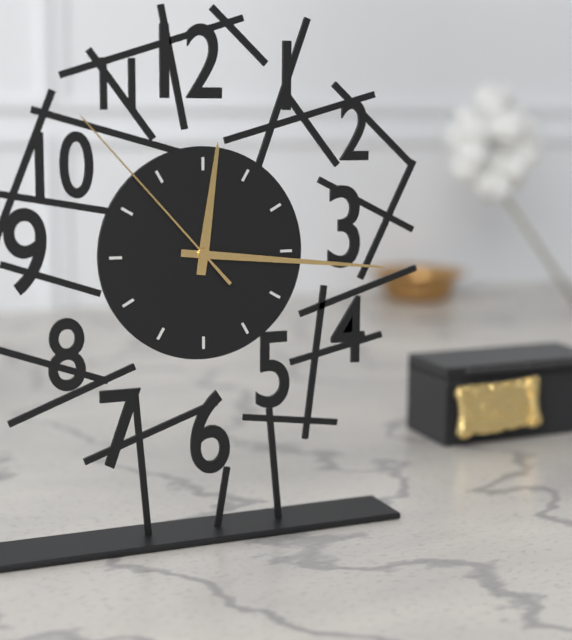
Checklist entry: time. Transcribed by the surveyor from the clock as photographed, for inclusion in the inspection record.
12:16:53
